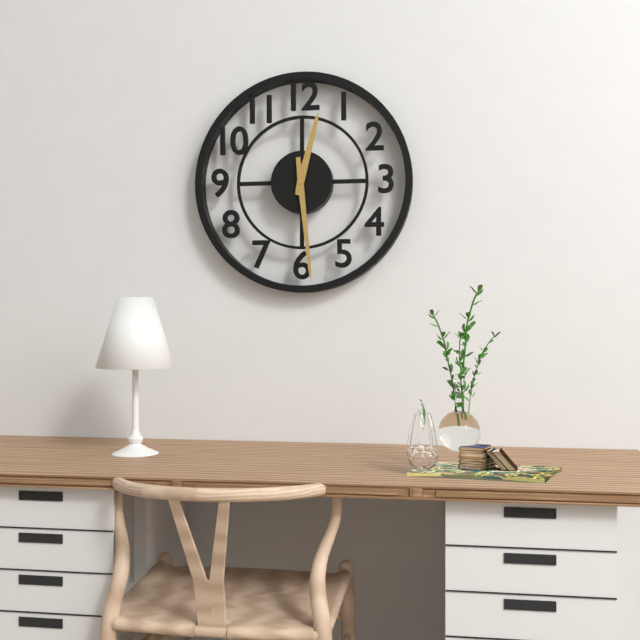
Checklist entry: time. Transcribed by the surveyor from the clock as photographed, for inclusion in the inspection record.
12:29
